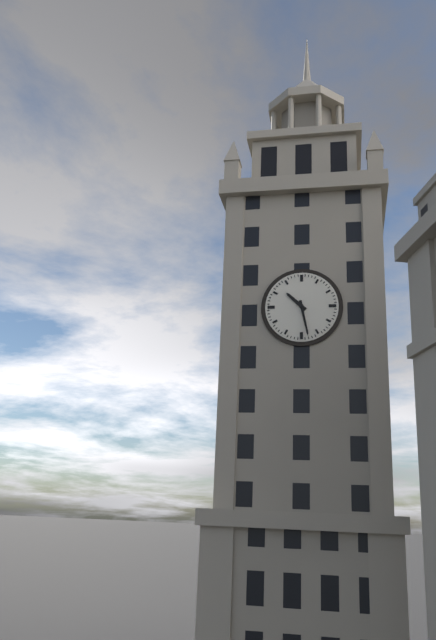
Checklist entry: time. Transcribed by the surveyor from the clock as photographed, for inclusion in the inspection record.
10:28
